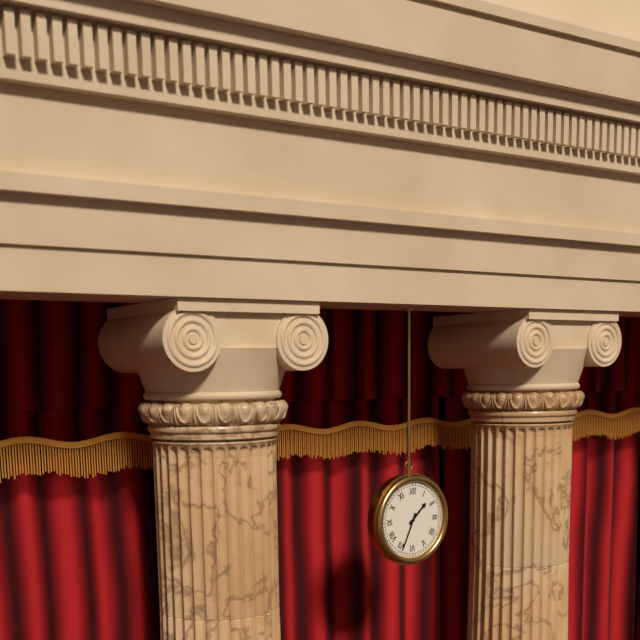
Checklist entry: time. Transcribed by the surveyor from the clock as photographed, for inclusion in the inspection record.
1:34
